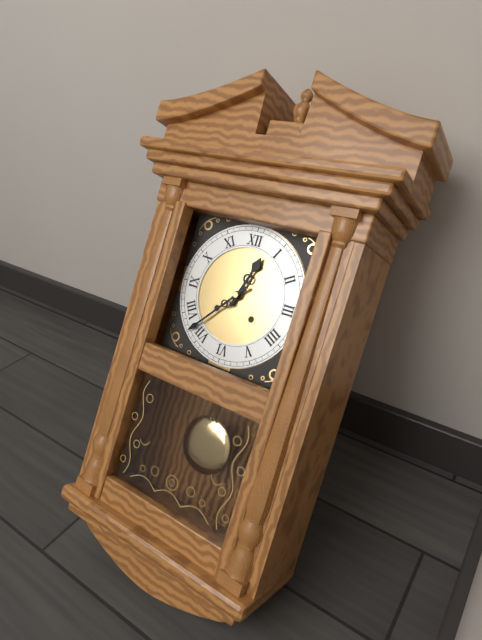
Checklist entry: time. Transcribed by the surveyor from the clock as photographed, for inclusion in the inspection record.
12:37
